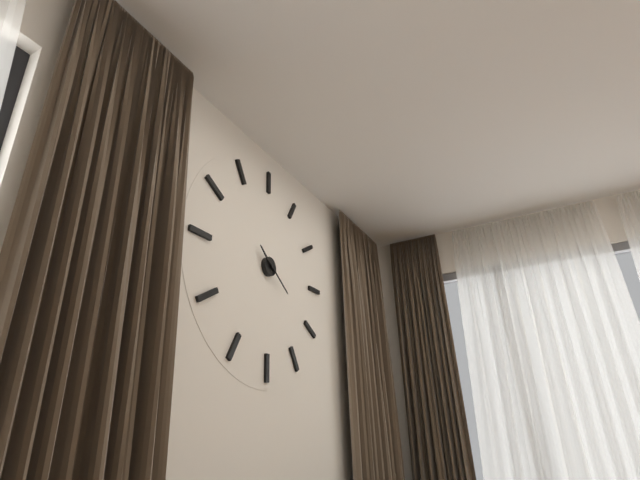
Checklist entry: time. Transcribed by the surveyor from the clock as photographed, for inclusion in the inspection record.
10:21
